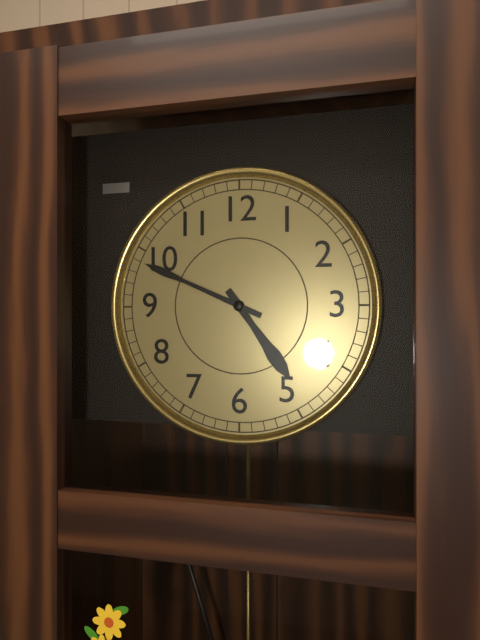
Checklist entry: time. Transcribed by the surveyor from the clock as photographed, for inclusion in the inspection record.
4:49
